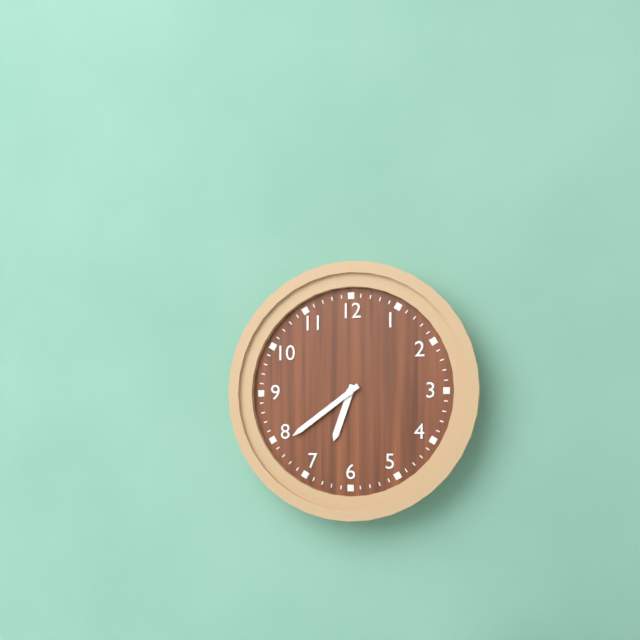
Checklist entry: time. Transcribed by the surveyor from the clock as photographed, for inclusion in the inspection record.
6:39
